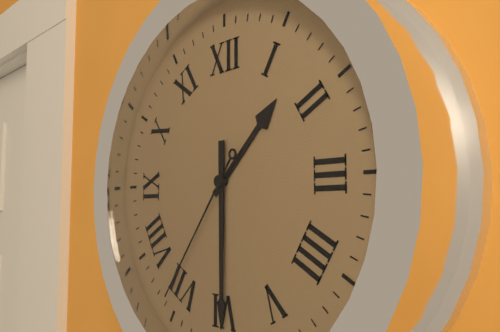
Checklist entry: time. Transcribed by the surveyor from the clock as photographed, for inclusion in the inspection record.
1:30:36
